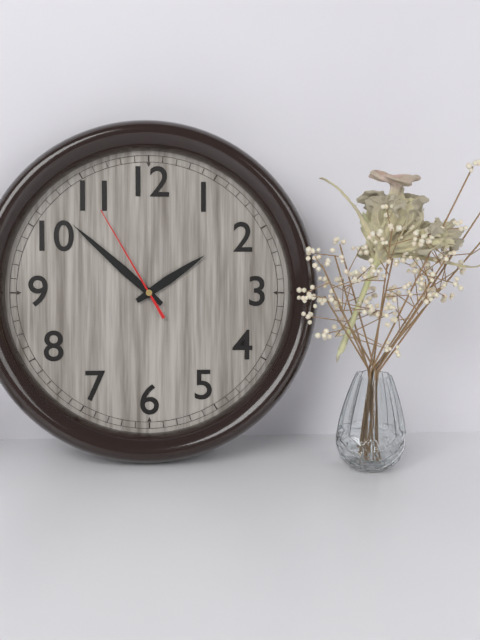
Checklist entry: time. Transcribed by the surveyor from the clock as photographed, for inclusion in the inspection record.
1:52:55
